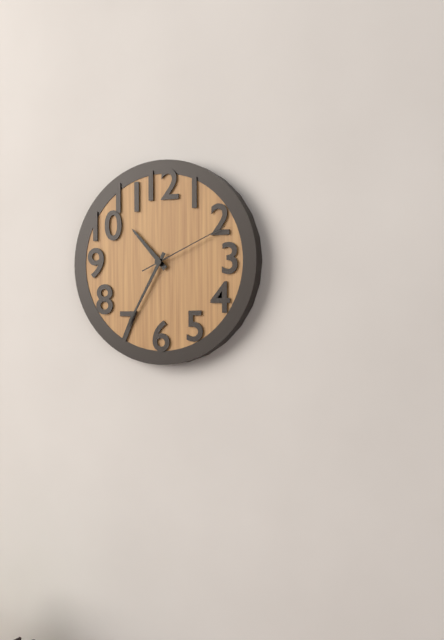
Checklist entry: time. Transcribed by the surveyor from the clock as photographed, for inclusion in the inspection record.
10:35:11
